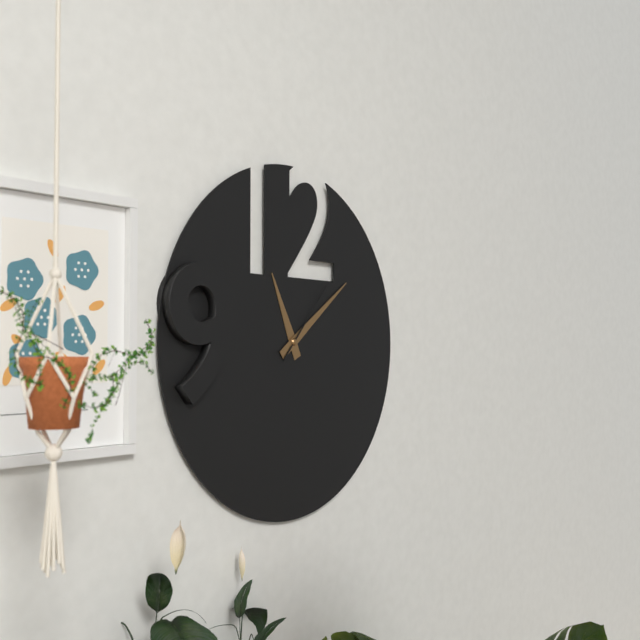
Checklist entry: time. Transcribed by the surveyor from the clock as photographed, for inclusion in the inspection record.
11:09:07
